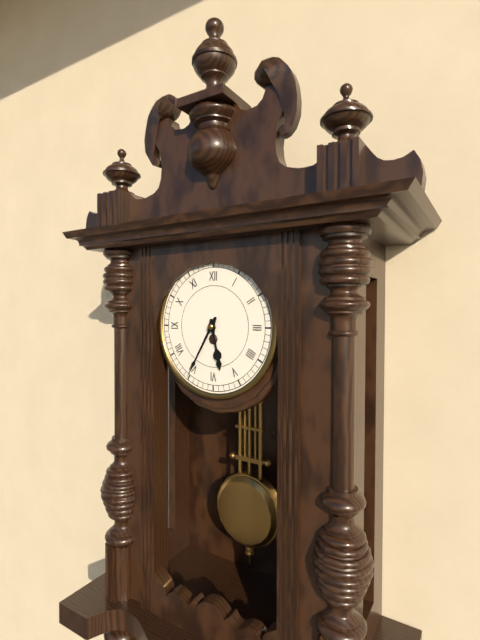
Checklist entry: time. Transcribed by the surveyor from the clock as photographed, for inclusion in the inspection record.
5:35
